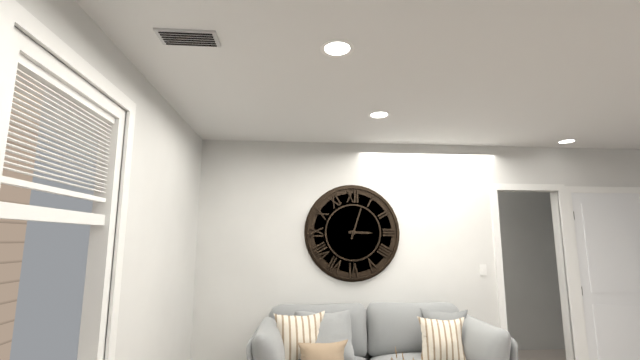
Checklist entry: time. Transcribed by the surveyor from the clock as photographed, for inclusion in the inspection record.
3:03
